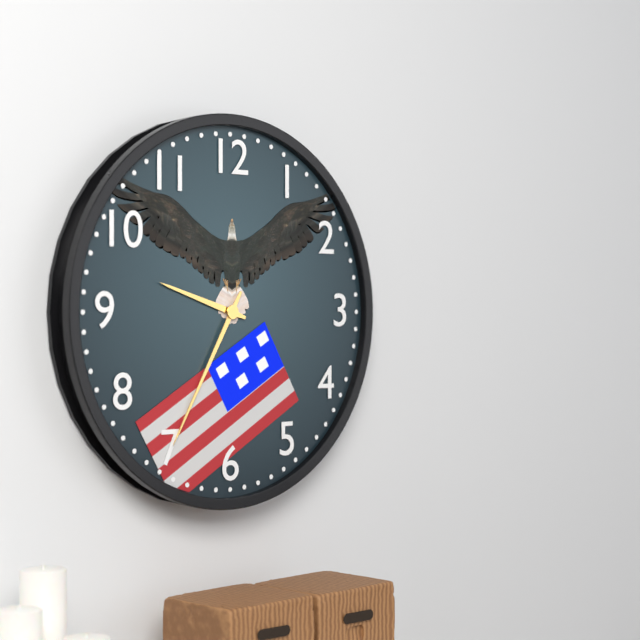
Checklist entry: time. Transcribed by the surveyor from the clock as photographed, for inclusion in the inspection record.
9:35
